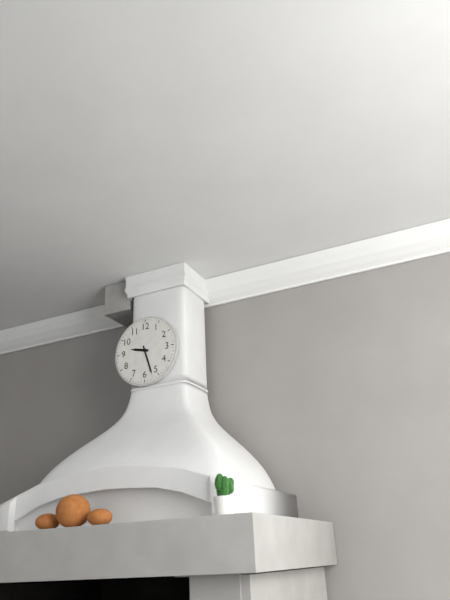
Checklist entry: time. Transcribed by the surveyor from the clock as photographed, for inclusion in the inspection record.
9:27
